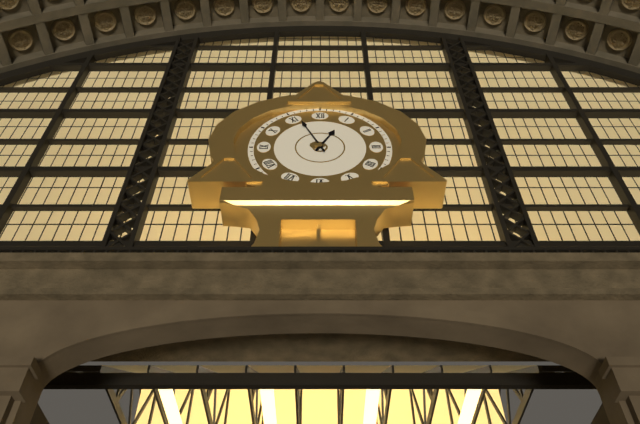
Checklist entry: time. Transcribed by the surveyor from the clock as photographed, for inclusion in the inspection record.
12:56
